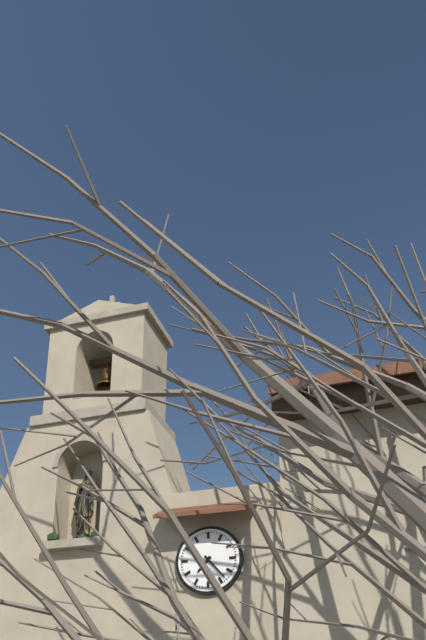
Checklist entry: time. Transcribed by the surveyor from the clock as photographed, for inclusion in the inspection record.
7:23
